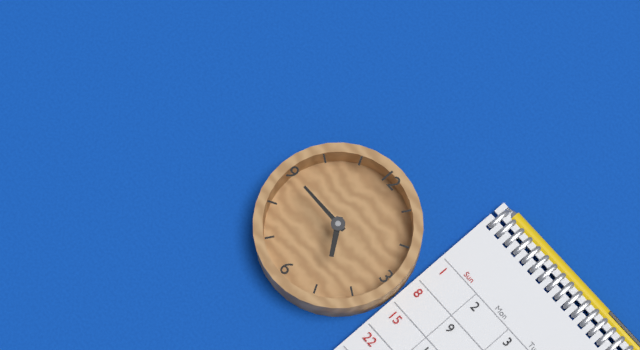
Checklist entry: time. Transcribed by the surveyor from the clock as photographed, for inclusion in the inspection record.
4:45
